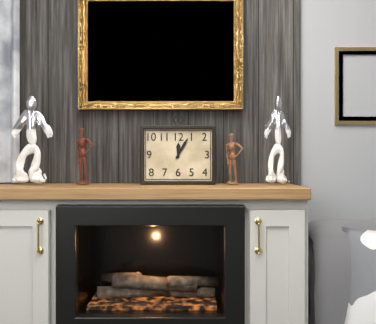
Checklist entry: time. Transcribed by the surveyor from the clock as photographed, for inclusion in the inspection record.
12:05
